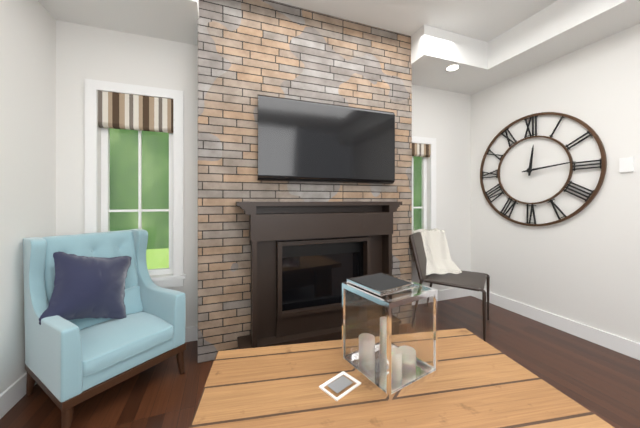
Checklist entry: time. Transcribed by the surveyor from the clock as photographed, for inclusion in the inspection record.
12:14
